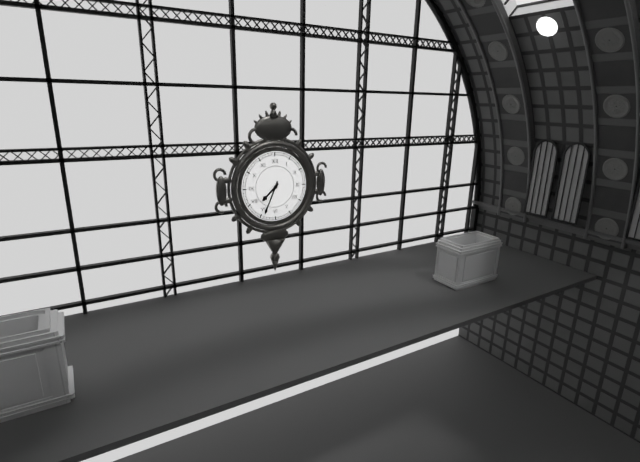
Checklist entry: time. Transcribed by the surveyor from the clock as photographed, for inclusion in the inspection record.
7:34
